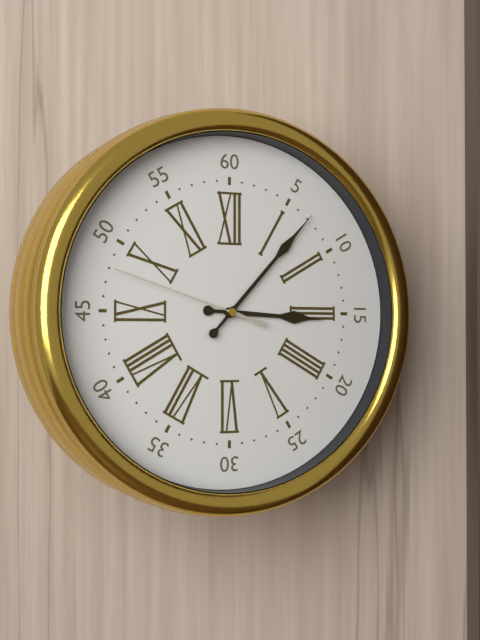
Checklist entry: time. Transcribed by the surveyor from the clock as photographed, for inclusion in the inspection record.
3:07:48
